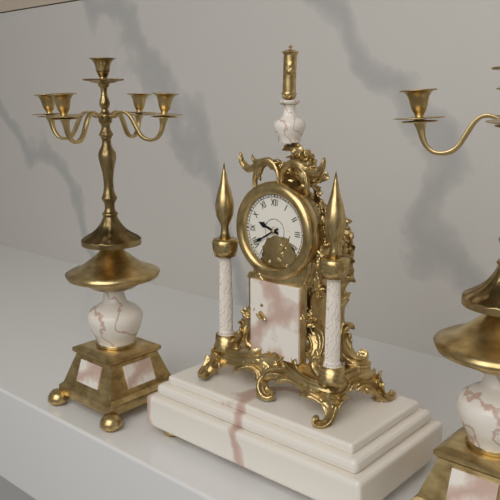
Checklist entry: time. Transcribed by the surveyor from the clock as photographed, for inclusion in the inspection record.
9:40
